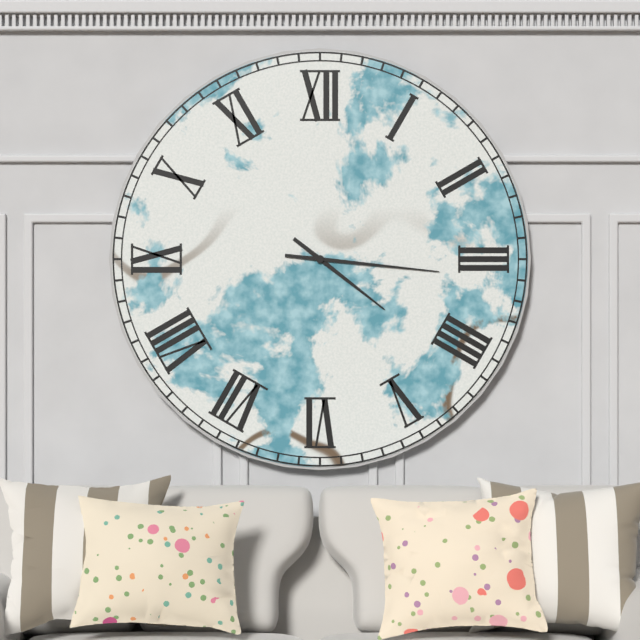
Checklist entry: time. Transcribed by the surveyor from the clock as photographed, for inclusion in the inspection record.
4:16
